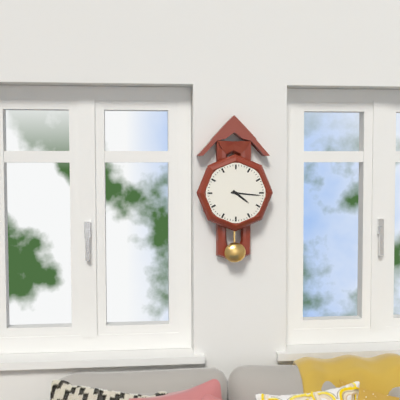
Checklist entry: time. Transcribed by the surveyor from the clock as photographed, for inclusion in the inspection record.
4:16
